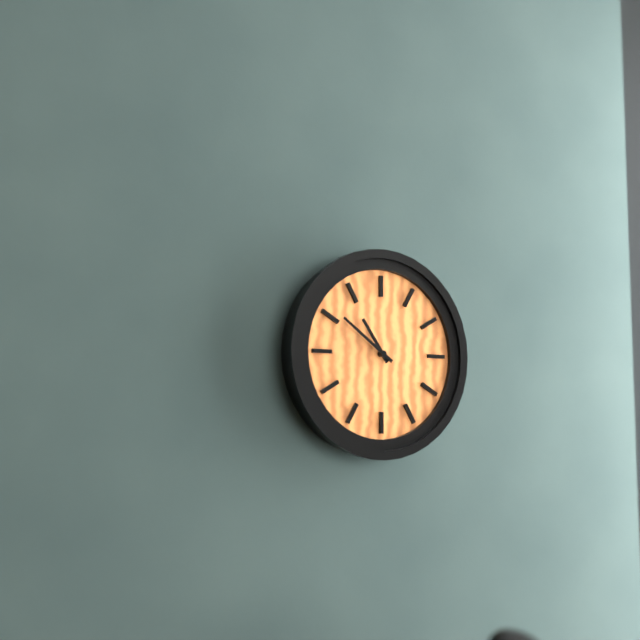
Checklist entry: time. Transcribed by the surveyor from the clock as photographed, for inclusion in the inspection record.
10:51
